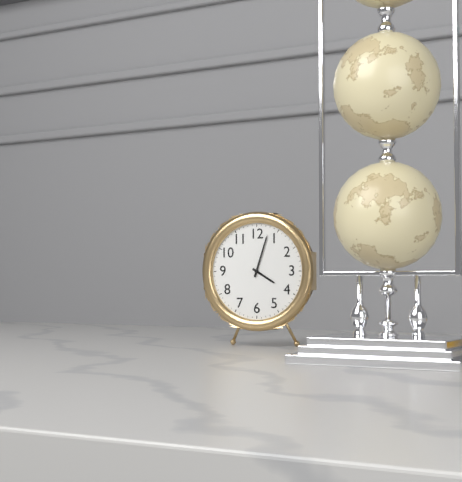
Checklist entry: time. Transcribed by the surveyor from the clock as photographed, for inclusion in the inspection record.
4:03
